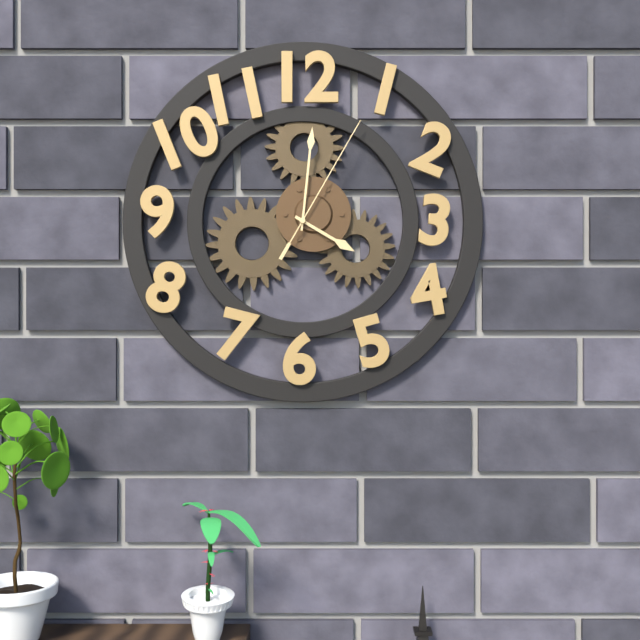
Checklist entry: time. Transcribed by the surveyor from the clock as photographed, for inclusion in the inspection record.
4:01:05
